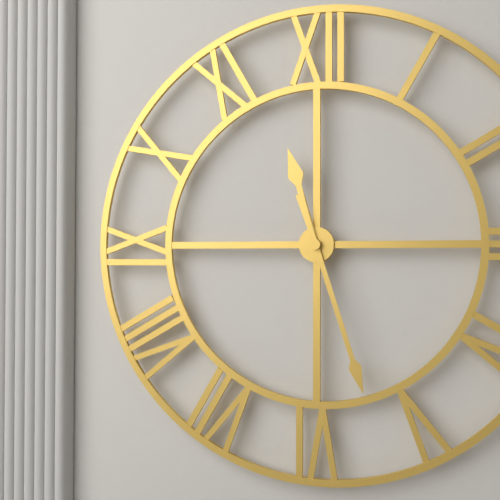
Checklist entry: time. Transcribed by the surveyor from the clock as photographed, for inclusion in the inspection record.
11:27
